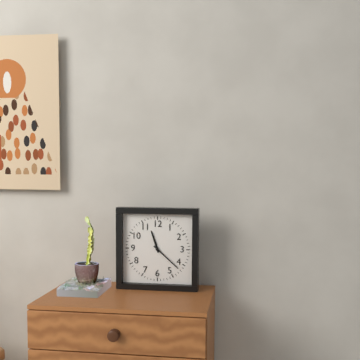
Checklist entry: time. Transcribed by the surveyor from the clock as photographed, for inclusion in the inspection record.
11:22
